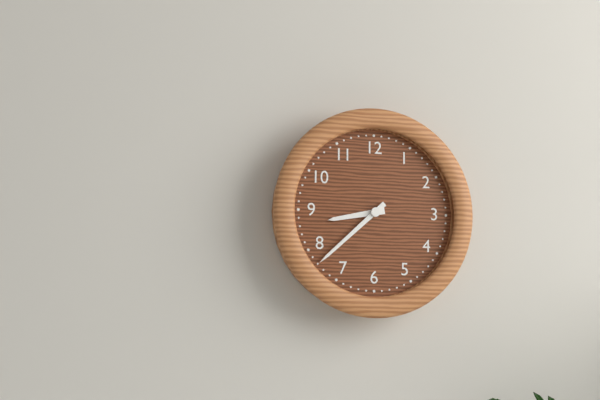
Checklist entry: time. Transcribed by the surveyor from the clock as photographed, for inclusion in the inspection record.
8:38
